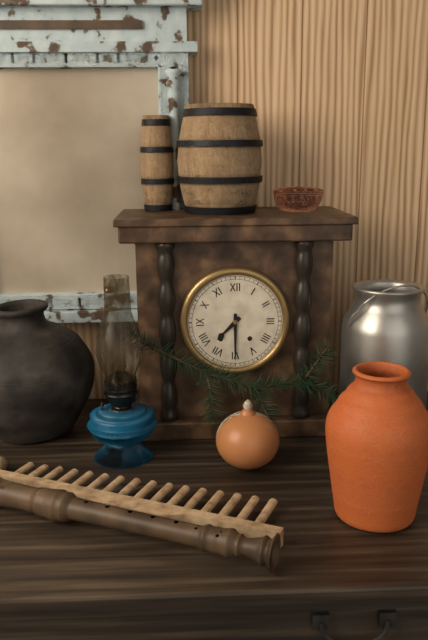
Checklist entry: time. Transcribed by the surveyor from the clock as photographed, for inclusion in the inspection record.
7:30
